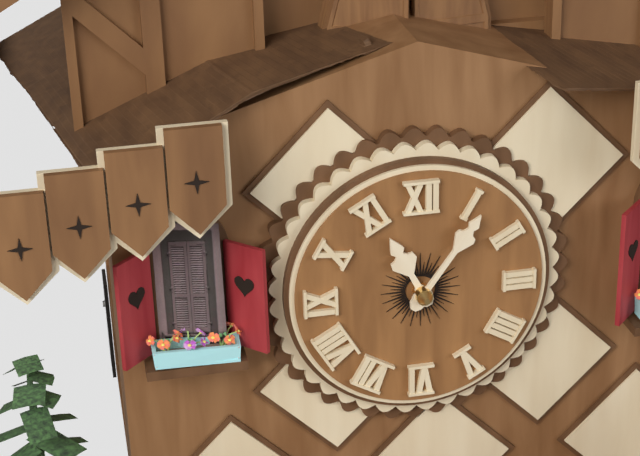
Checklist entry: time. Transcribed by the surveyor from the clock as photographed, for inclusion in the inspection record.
11:06
